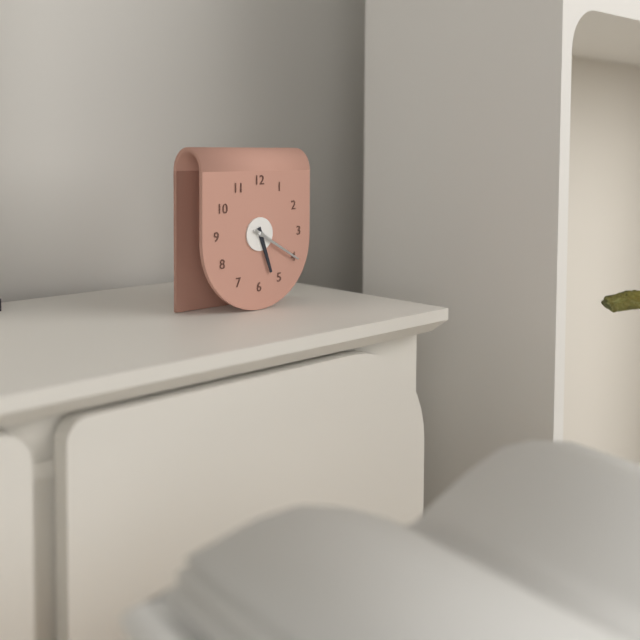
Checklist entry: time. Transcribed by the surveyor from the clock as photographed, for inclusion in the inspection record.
5:20
